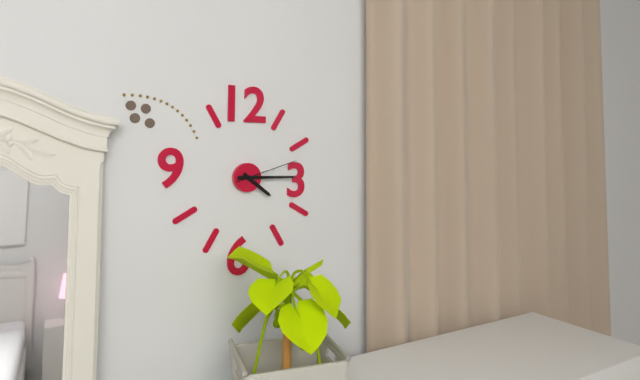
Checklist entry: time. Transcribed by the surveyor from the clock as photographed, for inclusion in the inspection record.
4:15:12
